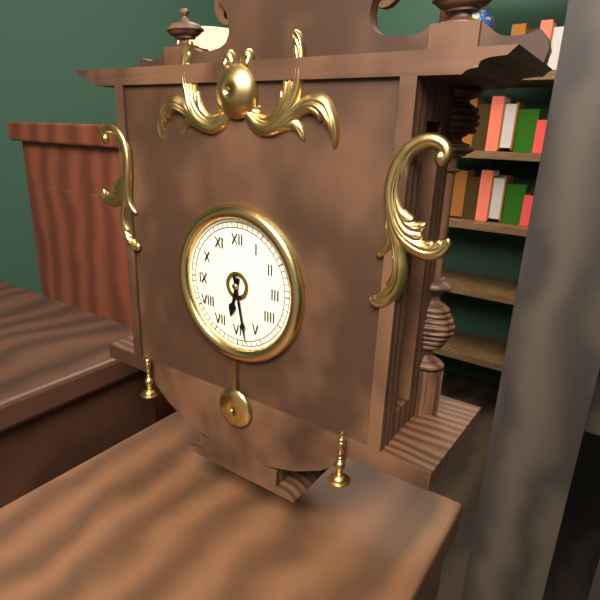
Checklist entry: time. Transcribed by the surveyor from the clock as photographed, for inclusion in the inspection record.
6:28
